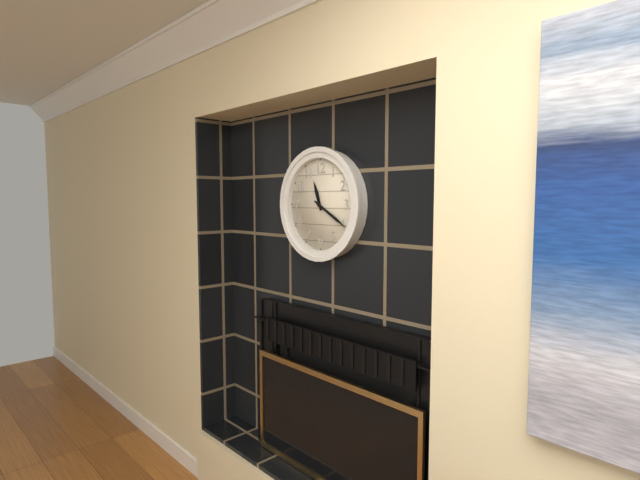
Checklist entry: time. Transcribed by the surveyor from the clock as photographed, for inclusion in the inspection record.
11:20
